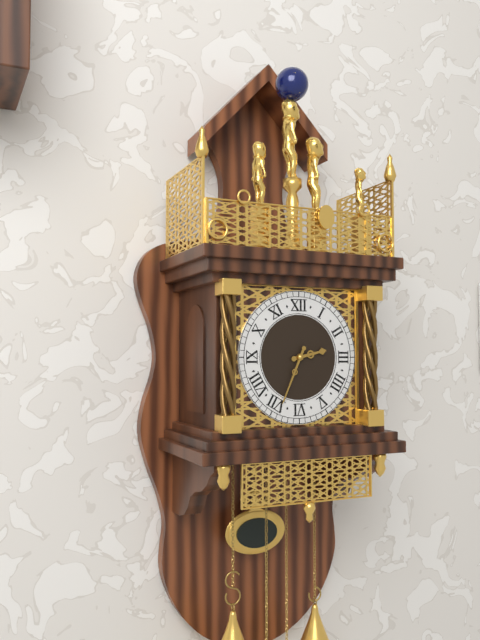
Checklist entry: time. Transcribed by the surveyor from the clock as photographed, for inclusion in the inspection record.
2:34
